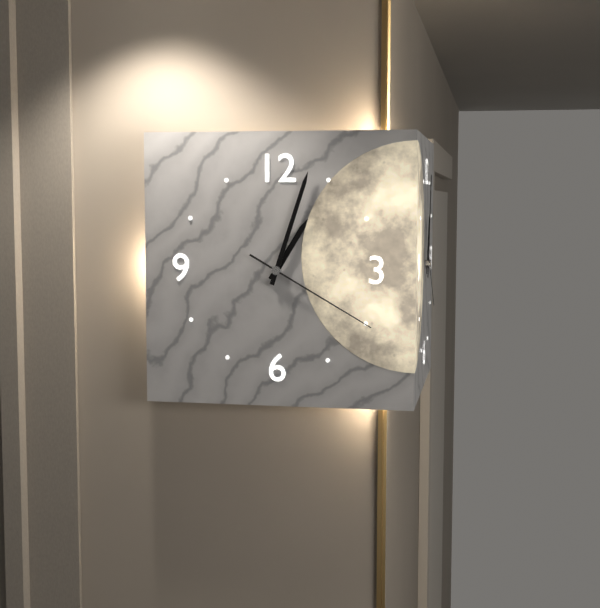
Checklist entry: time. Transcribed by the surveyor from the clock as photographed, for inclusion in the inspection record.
1:03:20
